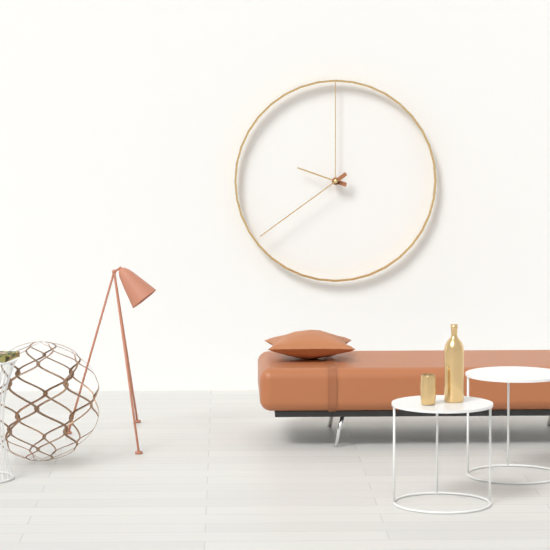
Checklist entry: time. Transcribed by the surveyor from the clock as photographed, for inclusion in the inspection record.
9:39
